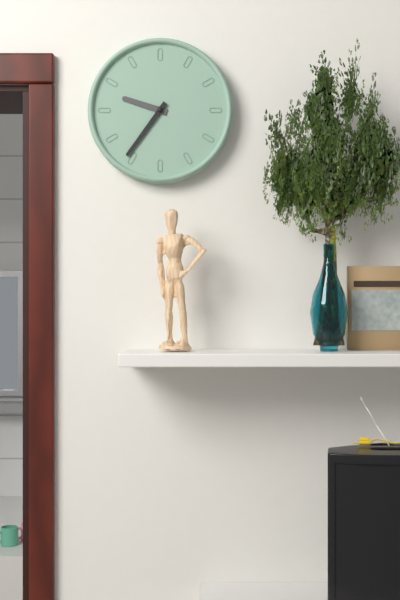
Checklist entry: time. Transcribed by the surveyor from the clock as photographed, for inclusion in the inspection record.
9:36
